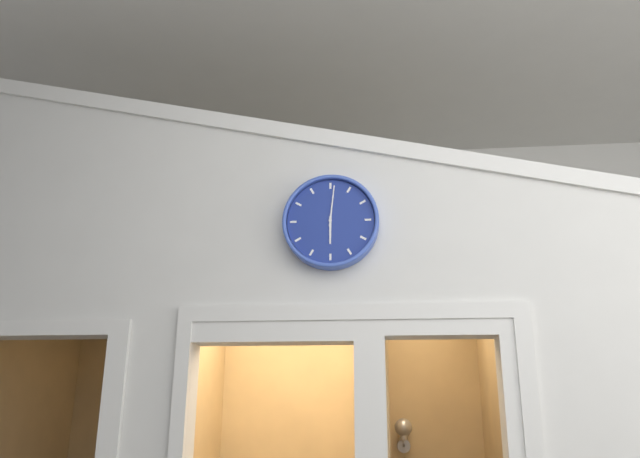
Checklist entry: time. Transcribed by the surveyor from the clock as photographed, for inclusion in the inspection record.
6:01
